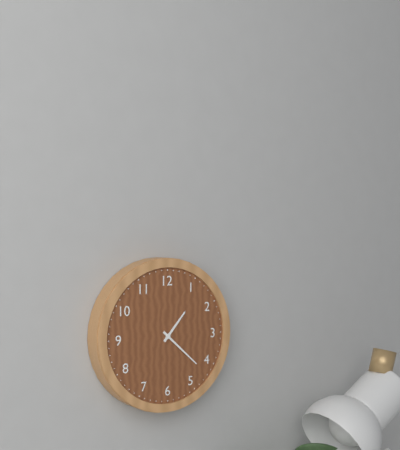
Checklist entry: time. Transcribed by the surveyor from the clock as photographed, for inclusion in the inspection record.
1:22
